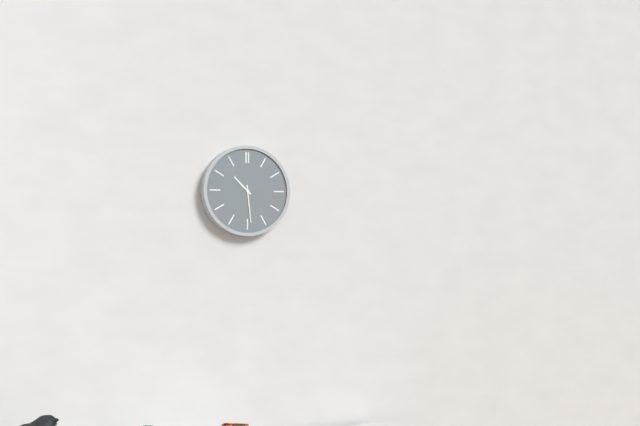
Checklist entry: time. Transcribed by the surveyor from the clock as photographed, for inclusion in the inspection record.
10:29
